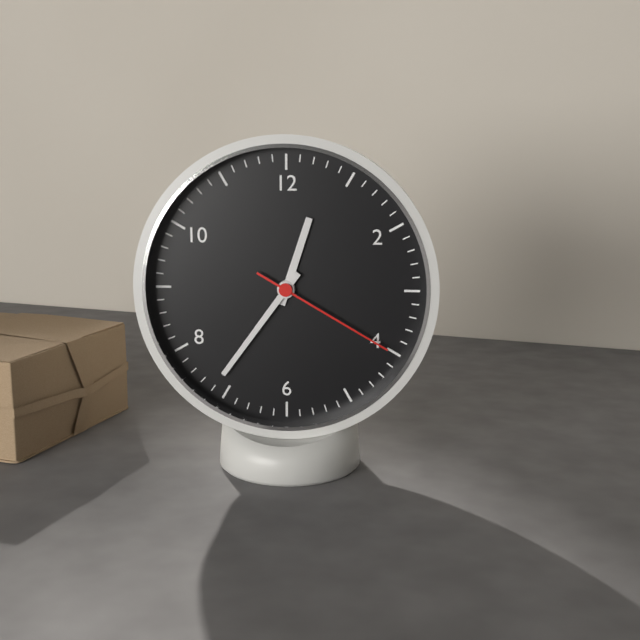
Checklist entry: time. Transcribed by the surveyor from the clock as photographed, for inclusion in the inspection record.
12:36:20
